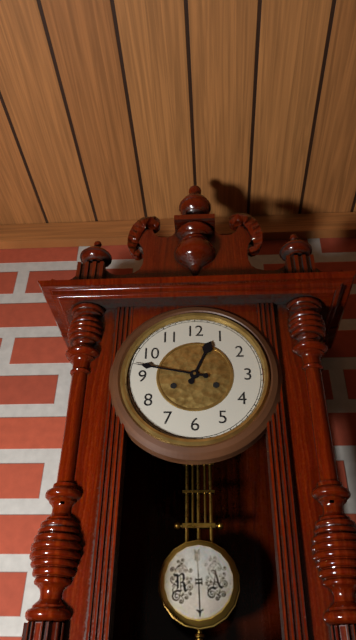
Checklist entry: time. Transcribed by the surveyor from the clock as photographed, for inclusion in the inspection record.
12:47
